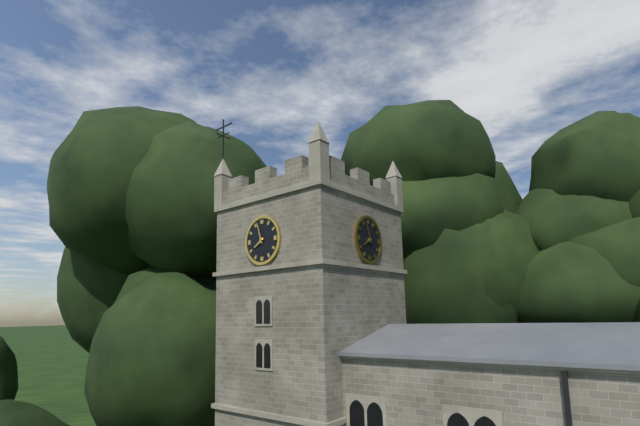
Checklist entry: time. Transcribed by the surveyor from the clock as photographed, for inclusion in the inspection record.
7:57
